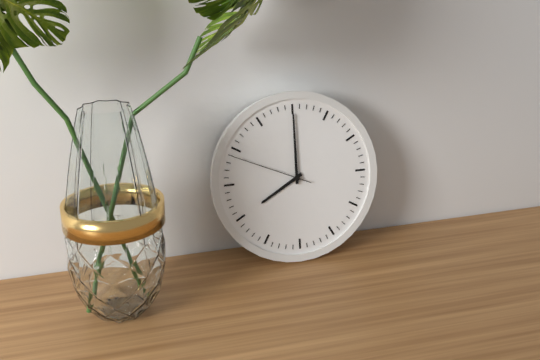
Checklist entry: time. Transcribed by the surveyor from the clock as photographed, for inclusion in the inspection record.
8:00:49
